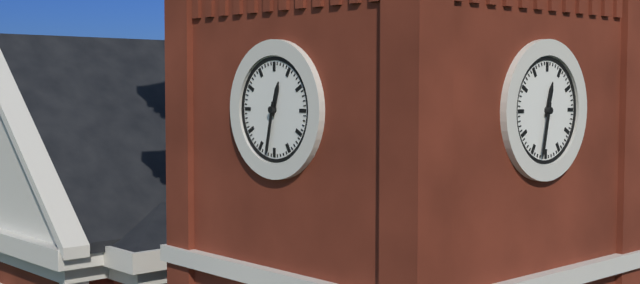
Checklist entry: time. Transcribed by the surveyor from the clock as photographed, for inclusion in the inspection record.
12:32
